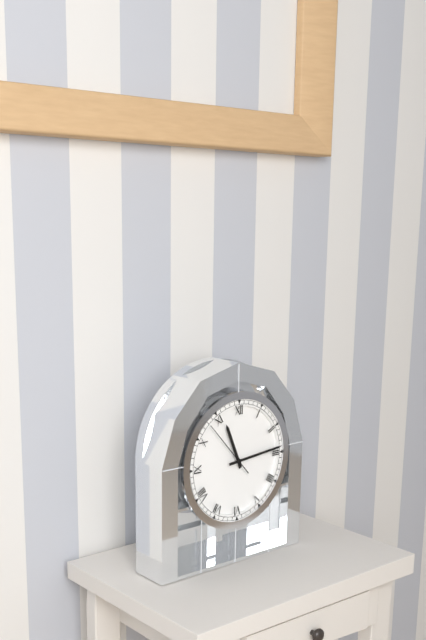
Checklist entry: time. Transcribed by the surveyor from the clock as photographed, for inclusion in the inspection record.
11:14:53
